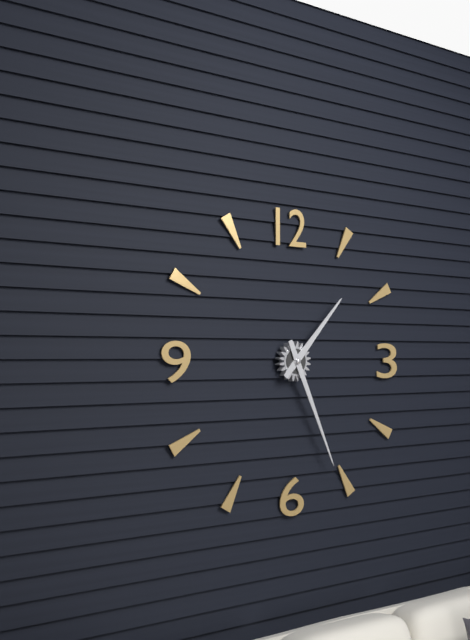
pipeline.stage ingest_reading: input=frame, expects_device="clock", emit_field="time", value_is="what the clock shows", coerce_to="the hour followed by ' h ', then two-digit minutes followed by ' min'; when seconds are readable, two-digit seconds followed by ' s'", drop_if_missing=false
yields 1 h 26 min
